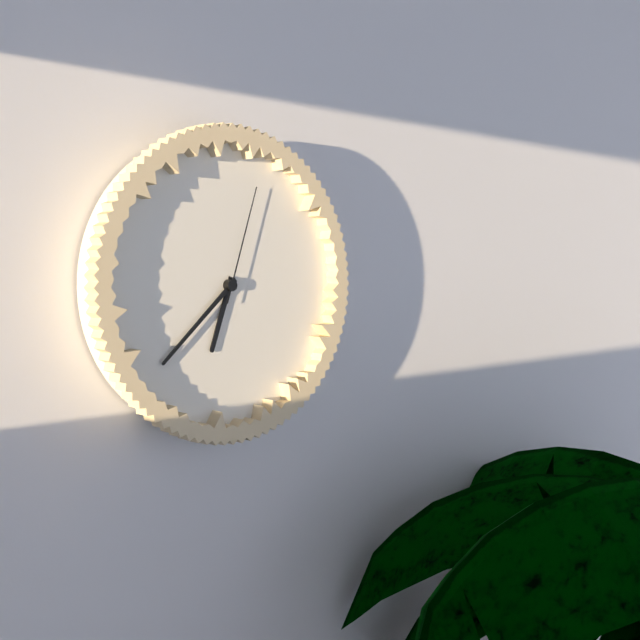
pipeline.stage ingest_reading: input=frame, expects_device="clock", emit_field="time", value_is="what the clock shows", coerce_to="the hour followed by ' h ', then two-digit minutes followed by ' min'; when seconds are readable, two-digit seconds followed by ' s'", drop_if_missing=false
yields 6 h 38 min 03 s
